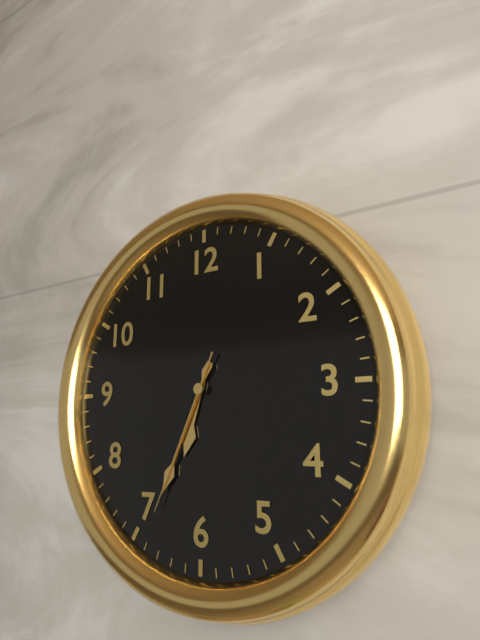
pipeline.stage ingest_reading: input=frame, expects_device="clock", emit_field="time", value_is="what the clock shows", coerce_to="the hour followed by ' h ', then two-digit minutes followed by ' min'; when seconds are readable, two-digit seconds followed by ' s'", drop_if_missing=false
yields 6 h 34 min 34 s
